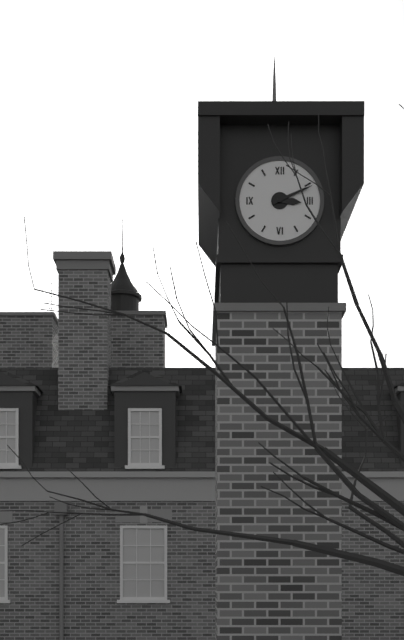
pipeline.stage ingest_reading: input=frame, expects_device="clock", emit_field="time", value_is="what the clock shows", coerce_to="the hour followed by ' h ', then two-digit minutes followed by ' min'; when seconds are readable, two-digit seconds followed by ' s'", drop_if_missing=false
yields 3 h 11 min
